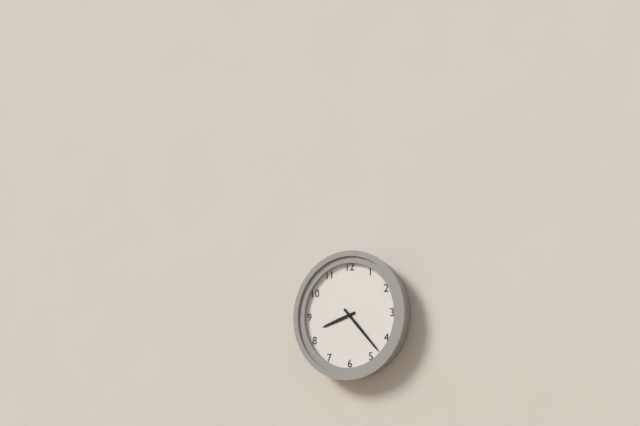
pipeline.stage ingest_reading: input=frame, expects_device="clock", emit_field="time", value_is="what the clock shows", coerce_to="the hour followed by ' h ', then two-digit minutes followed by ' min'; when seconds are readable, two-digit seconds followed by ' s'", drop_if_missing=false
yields 8 h 23 min
